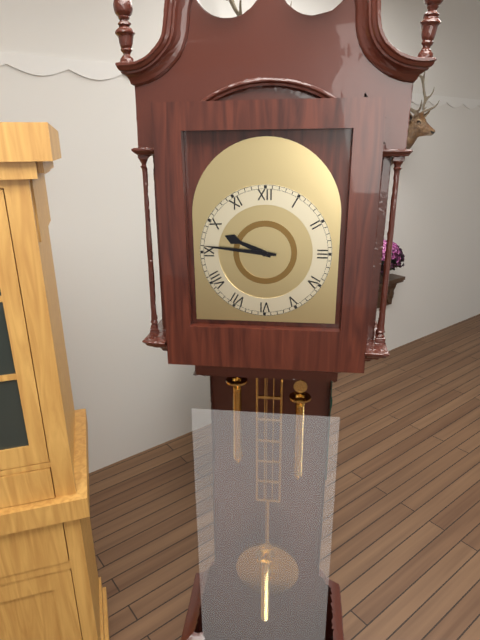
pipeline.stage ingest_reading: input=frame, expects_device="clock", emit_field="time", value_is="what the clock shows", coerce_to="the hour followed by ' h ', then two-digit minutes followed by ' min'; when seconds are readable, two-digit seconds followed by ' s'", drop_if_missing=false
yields 9 h 46 min
